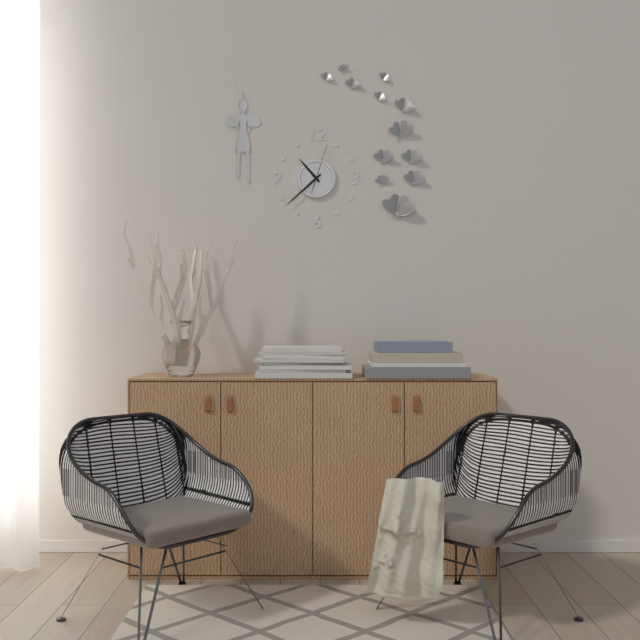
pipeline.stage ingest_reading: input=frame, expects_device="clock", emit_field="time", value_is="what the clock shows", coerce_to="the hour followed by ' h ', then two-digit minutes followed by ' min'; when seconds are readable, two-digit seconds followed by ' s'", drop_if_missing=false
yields 10 h 38 min
